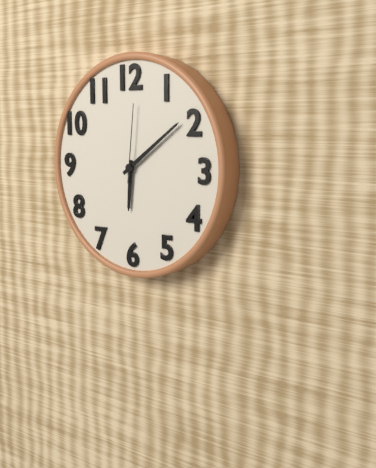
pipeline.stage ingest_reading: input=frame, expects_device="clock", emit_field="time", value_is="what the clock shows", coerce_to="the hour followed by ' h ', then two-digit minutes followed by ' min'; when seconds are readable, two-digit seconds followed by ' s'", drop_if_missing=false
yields 6 h 09 min 01 s
